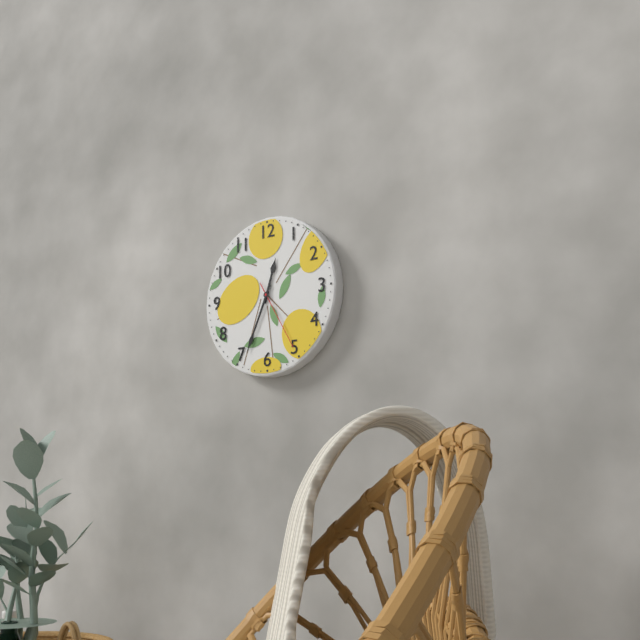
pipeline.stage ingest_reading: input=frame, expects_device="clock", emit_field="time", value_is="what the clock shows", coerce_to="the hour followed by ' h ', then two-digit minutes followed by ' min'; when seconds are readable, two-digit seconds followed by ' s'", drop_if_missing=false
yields 12 h 34 min 25 s
